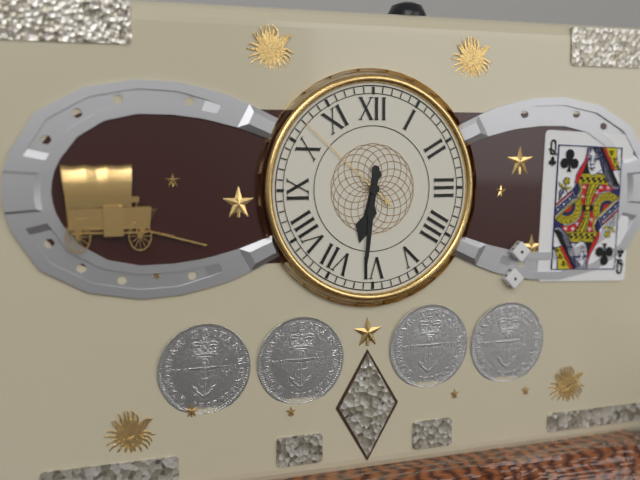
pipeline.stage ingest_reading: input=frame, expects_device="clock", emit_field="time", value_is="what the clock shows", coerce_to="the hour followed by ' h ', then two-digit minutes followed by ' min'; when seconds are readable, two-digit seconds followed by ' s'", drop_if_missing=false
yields 6 h 31 min 52 s
